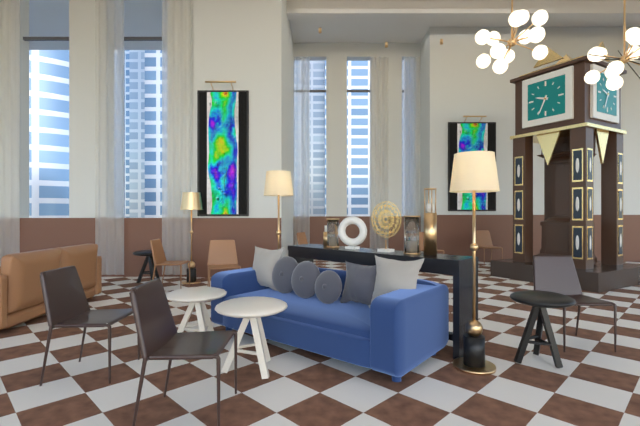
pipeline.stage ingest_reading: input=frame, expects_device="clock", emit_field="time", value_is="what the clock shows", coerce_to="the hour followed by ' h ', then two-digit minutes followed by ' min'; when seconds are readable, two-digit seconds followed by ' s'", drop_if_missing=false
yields 9 h 34 min
